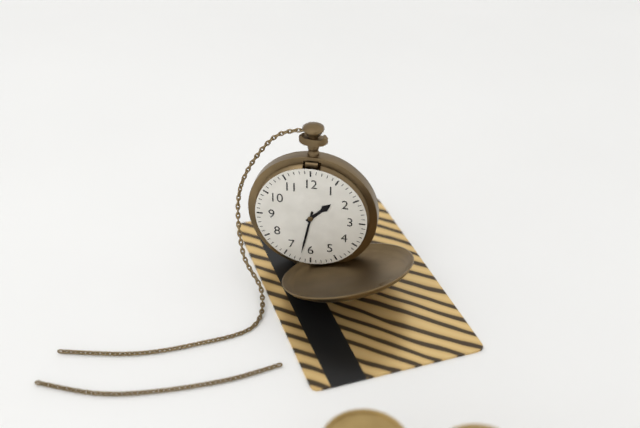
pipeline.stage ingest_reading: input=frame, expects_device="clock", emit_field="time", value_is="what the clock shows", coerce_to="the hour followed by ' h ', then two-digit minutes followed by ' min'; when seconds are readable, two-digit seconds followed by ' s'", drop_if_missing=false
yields 1 h 32 min
